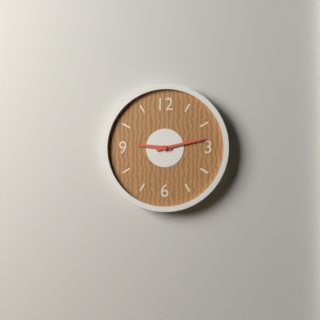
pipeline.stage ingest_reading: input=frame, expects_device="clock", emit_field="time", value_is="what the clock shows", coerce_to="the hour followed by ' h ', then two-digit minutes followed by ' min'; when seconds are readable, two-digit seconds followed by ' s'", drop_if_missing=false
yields 9 h 13 min
